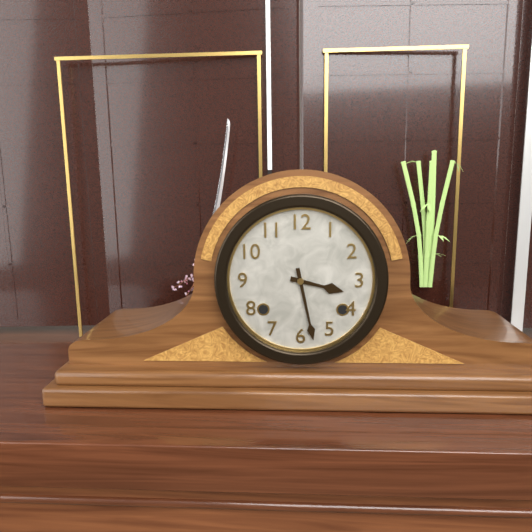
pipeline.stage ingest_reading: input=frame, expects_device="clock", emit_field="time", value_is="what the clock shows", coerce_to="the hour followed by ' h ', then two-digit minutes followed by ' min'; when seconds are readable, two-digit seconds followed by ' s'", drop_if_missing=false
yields 3 h 28 min
